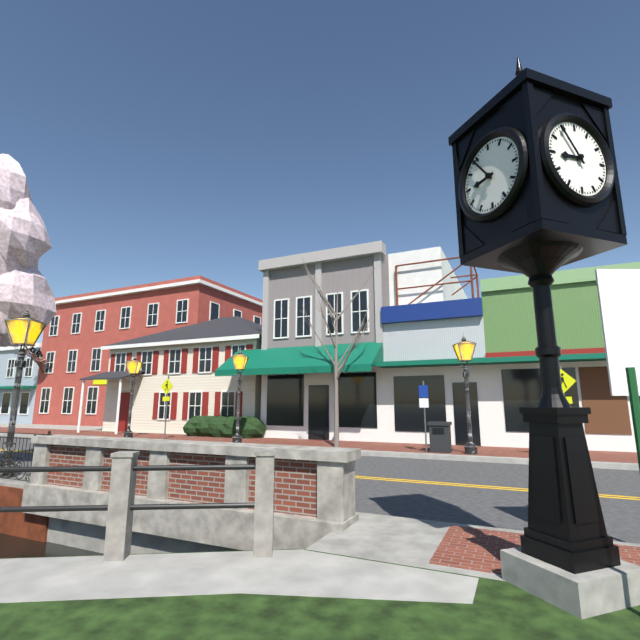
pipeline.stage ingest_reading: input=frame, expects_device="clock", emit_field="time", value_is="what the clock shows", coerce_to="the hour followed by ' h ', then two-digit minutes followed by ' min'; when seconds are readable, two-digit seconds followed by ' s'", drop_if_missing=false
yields 8 h 54 min
